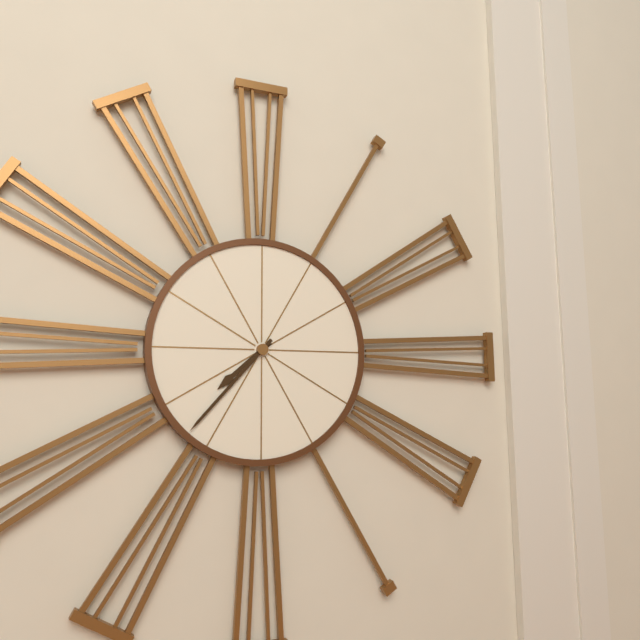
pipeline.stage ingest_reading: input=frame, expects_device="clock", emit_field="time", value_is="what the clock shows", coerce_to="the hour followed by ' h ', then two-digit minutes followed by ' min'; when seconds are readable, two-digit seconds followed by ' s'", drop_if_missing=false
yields 7 h 37 min
